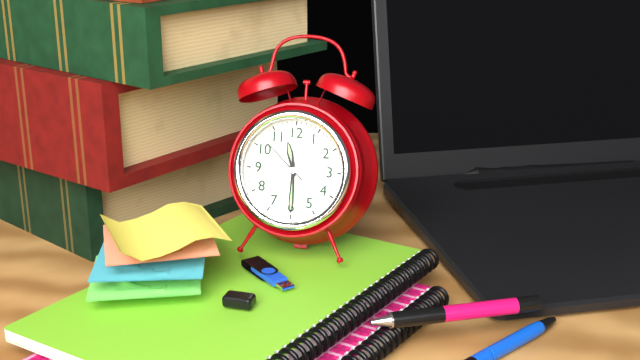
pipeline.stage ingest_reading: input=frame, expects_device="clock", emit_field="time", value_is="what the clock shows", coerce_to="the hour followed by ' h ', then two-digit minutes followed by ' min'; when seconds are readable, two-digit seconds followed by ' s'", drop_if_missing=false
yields 11 h 30 min 52 s
